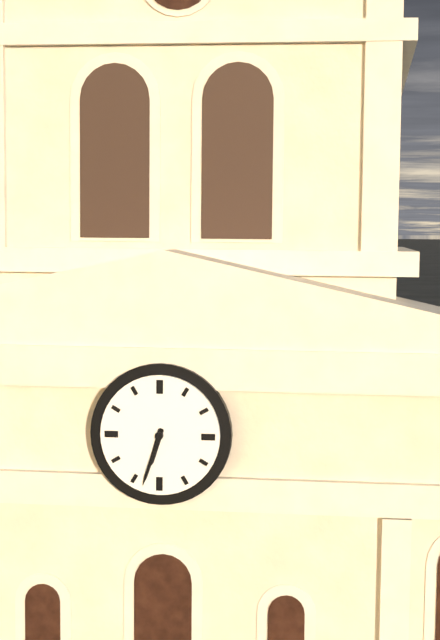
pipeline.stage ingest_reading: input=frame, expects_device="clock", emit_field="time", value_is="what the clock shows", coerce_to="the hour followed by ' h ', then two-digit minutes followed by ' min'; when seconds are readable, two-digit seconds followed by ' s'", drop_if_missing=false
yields 6 h 33 min
